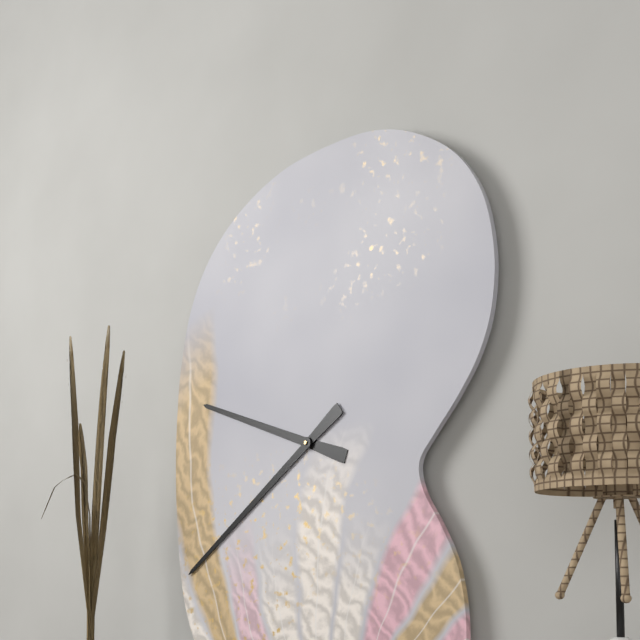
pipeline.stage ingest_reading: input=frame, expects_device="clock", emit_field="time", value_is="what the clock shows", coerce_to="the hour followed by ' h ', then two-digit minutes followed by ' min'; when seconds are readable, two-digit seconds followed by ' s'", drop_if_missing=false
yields 9 h 39 min
